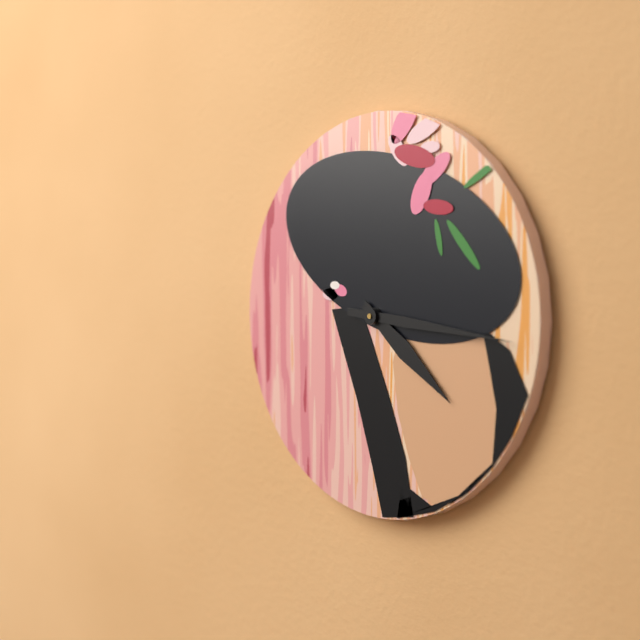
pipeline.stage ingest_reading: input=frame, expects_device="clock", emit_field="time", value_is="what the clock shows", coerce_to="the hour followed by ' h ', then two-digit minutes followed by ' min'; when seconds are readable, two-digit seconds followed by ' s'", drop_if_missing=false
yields 4 h 16 min
